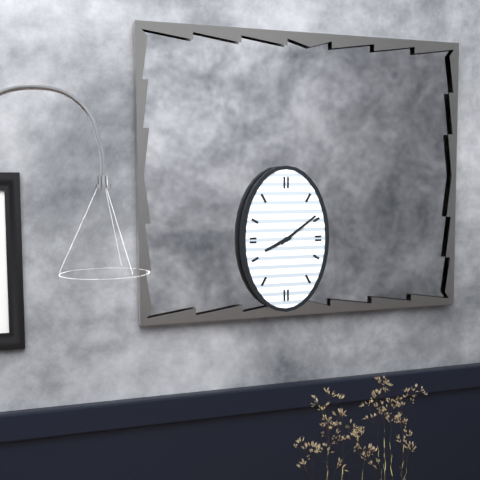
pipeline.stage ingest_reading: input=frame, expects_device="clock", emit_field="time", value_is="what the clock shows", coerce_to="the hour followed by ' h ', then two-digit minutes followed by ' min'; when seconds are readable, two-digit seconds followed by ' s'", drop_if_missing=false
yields 8 h 09 min
